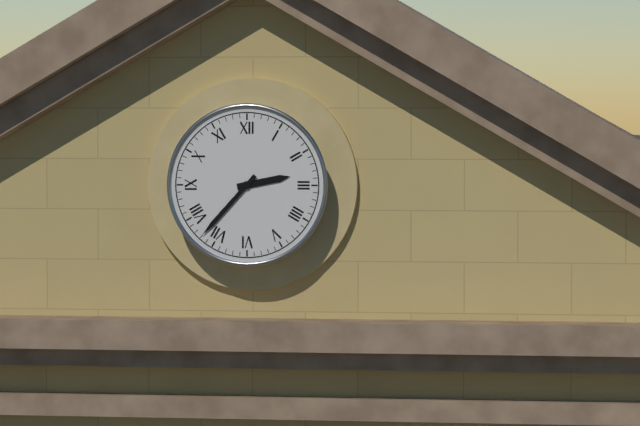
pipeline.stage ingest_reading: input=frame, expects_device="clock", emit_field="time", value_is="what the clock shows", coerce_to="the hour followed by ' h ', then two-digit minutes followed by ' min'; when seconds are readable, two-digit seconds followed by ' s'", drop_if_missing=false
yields 2 h 37 min
